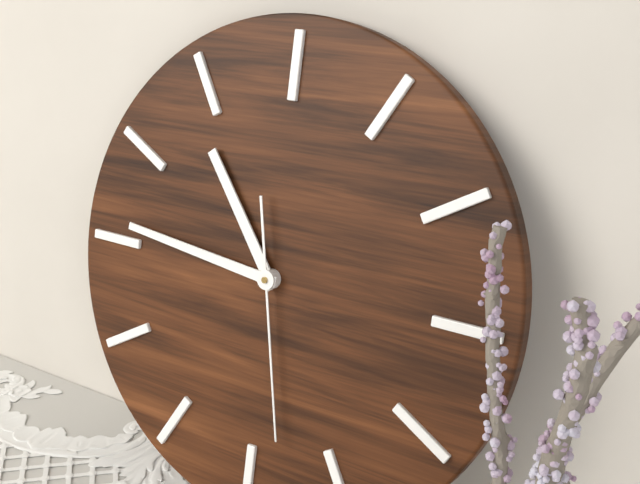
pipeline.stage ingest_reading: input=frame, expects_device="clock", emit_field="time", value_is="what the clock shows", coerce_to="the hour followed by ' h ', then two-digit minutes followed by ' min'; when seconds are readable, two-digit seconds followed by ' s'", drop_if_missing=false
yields 10 h 46 min 28 s
